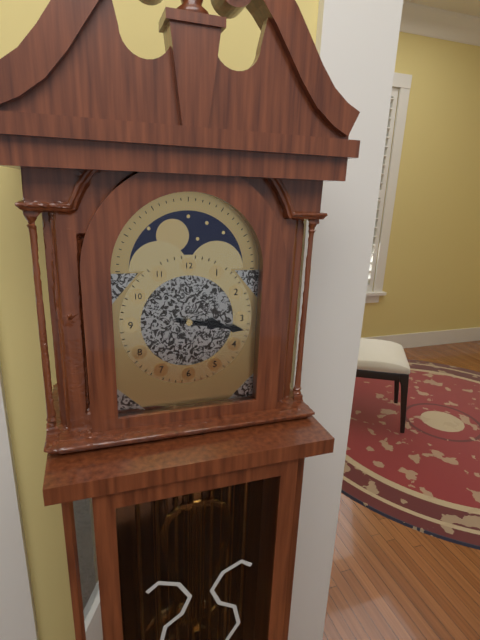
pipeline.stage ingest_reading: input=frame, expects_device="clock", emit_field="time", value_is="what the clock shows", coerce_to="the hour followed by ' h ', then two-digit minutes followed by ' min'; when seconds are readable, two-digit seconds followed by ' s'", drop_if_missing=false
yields 3 h 17 min
